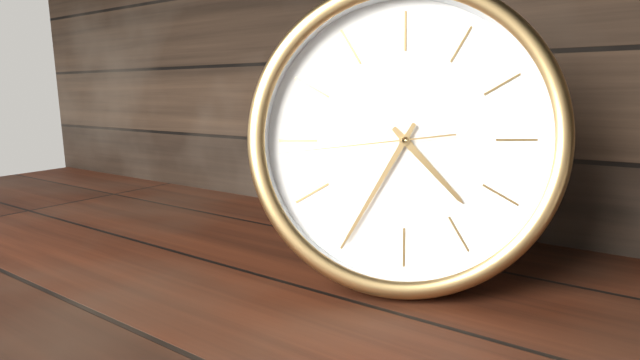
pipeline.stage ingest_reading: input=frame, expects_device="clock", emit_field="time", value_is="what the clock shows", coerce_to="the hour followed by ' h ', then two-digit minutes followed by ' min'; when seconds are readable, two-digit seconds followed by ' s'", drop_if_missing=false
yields 4 h 35 min 44 s
